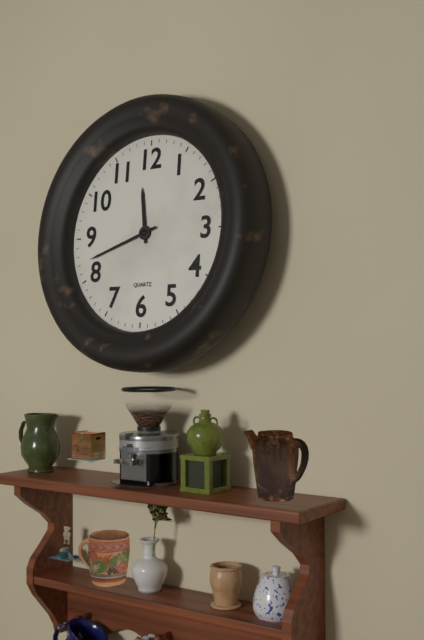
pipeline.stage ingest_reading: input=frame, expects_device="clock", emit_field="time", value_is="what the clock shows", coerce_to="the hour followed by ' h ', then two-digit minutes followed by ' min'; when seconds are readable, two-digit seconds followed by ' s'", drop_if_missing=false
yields 11 h 42 min
